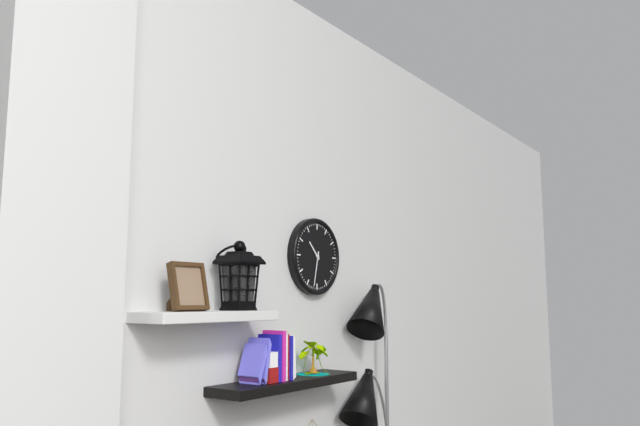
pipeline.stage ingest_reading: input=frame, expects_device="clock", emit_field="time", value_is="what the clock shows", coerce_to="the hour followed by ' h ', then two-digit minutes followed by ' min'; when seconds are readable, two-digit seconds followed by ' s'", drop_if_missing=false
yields 10 h 32 min
